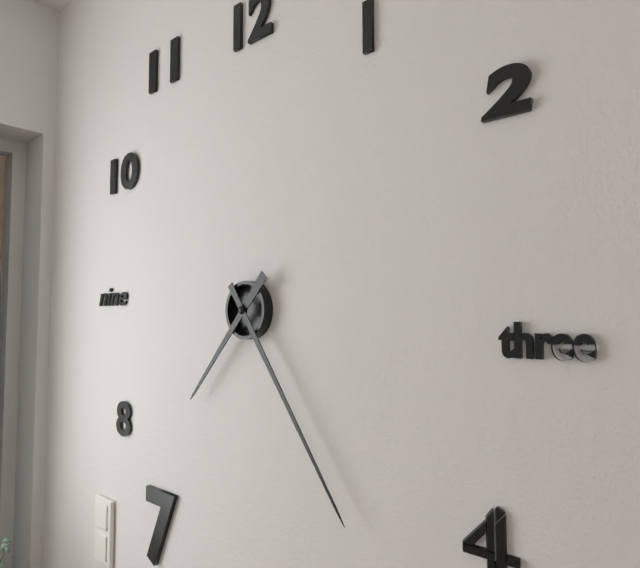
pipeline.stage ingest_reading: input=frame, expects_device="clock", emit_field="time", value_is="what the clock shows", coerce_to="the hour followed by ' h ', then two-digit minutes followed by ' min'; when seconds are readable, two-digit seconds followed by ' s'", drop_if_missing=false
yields 7 h 24 min
